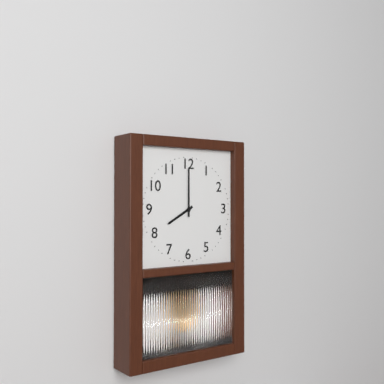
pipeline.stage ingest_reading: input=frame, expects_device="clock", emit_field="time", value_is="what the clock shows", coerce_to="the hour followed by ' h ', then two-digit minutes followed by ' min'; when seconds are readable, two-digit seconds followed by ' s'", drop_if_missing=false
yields 8 h 00 min
